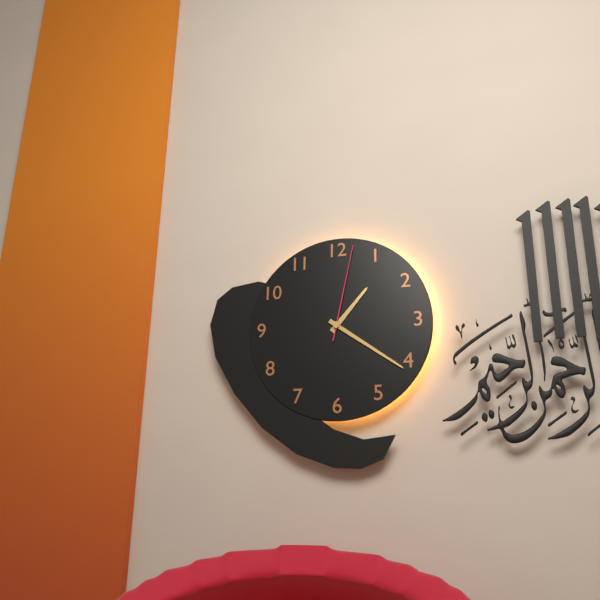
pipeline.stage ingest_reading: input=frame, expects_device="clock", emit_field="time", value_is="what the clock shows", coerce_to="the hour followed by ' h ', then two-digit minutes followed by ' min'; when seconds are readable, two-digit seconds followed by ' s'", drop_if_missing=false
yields 1 h 21 min 02 s
